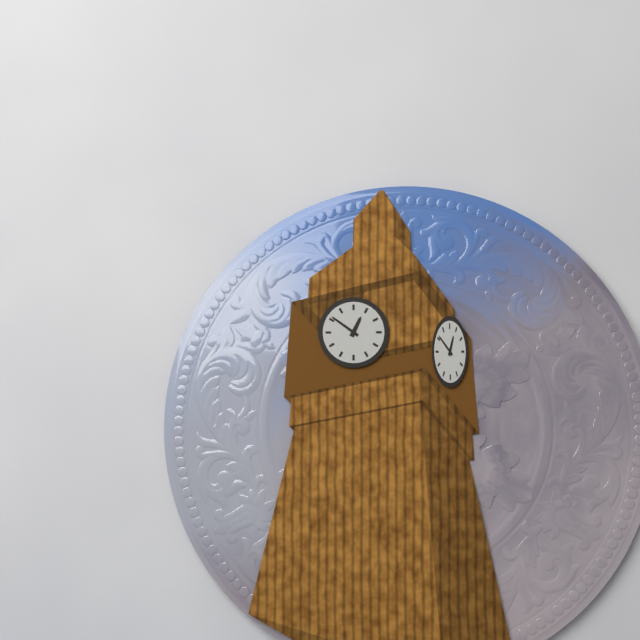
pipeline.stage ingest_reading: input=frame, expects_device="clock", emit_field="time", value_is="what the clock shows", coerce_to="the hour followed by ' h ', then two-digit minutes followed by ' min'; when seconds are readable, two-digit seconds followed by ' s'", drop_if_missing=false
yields 12 h 51 min
